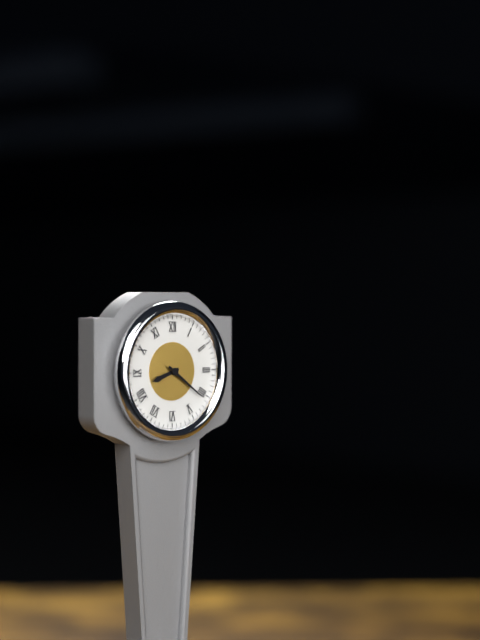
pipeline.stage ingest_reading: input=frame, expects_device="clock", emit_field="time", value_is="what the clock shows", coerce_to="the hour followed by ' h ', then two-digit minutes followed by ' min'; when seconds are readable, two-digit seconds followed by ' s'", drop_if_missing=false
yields 8 h 21 min
